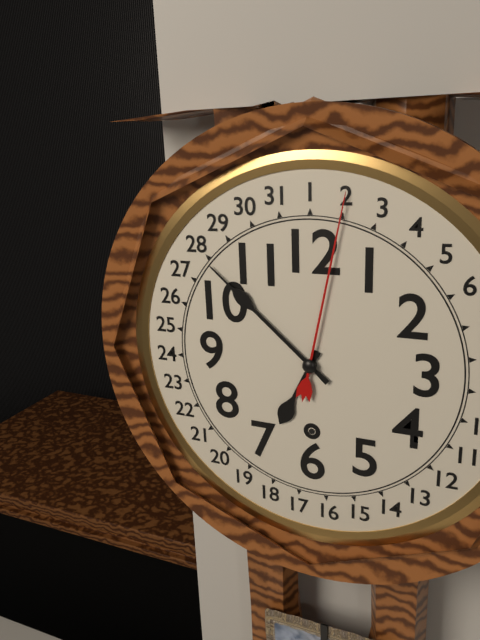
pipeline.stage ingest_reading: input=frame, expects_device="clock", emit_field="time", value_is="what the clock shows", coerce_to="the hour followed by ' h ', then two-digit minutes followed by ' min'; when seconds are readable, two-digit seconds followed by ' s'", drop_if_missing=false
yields 6 h 52 min
